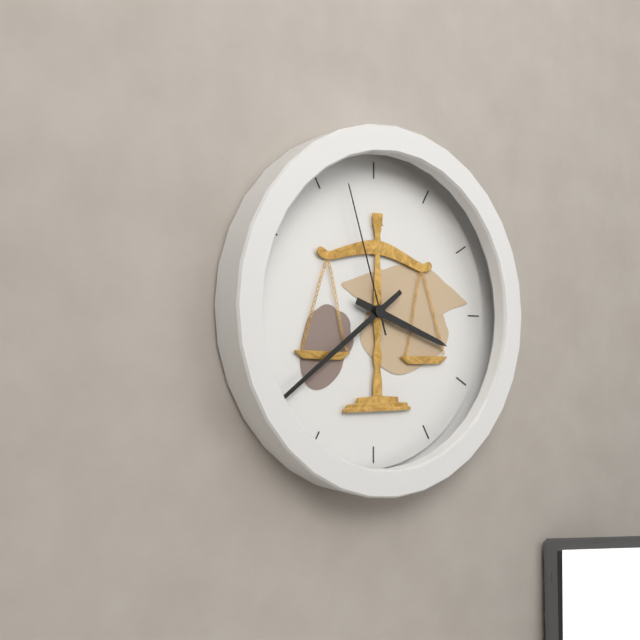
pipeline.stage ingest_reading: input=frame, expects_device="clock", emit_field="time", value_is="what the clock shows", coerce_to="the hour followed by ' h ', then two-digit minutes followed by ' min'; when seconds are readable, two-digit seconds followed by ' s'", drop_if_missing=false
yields 3 h 39 min 57 s
